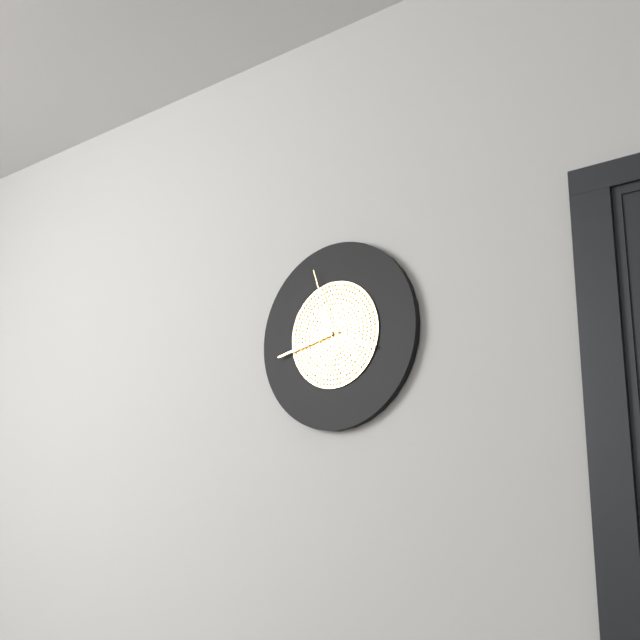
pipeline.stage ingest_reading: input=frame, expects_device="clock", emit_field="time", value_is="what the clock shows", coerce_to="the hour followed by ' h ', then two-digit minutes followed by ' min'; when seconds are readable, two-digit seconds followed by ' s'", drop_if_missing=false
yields 3 h 43 min 57 s
